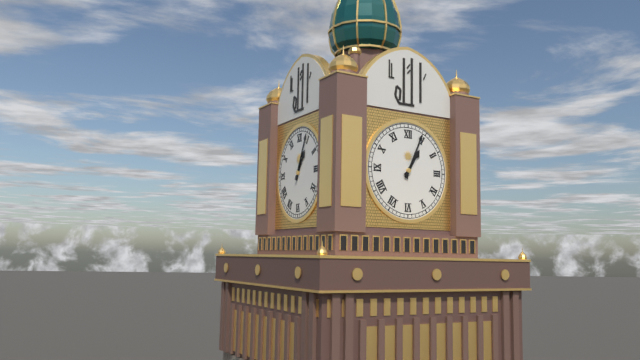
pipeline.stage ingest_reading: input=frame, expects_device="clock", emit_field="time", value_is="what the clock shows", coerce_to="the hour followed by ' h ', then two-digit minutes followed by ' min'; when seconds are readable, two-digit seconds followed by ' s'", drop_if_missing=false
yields 1 h 04 min
